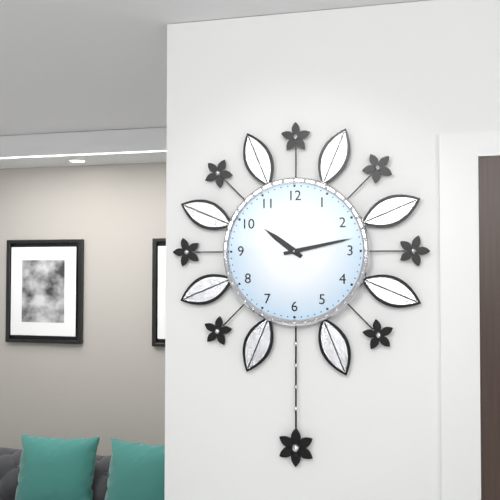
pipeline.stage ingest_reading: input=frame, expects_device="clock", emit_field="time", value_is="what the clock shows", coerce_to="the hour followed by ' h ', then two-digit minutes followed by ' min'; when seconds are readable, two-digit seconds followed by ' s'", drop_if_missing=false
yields 10 h 13 min
